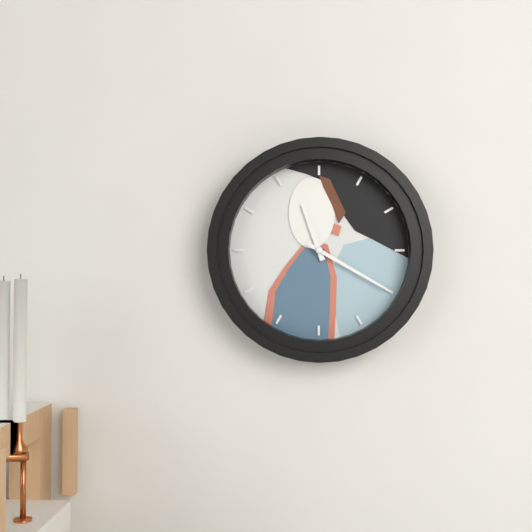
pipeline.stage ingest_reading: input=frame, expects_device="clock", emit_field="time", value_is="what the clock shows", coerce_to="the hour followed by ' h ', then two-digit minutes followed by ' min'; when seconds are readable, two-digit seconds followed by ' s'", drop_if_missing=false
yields 11 h 20 min
